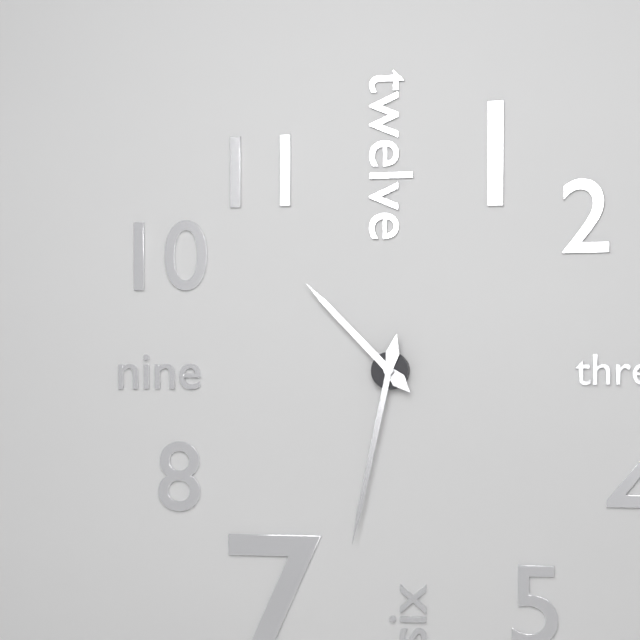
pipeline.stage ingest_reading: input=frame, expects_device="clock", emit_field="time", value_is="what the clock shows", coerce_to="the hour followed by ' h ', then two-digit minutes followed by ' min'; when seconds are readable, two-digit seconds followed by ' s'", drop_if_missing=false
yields 10 h 32 min
